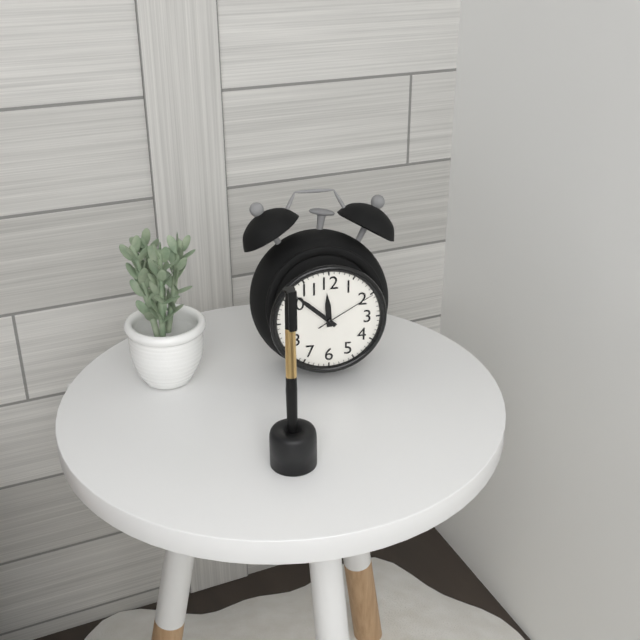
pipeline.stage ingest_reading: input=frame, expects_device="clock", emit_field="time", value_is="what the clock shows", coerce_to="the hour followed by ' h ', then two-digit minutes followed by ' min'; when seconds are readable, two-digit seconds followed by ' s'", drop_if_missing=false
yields 11 h 52 min 10 s
